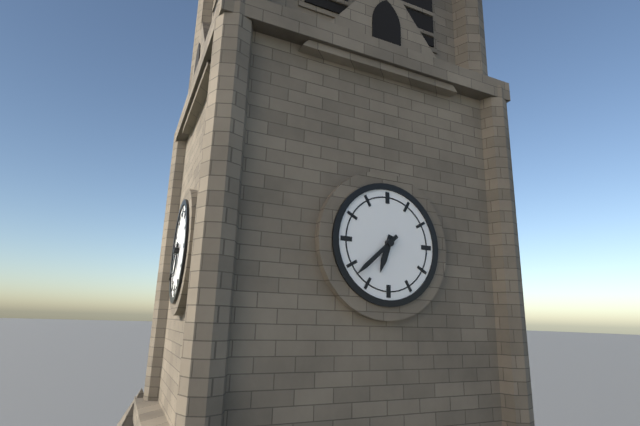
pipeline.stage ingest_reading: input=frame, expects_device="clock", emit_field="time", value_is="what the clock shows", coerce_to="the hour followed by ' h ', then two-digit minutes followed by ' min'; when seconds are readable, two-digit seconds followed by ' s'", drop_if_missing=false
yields 6 h 38 min
